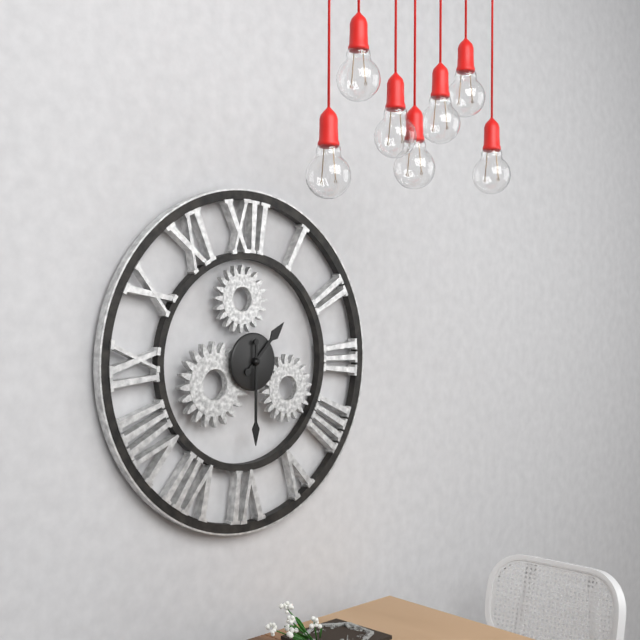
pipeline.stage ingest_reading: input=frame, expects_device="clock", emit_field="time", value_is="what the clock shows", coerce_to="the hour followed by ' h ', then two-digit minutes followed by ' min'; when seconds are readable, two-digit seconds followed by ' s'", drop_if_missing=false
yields 1 h 30 min
